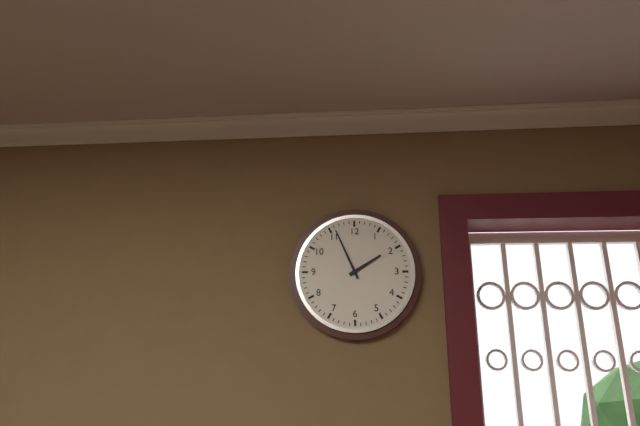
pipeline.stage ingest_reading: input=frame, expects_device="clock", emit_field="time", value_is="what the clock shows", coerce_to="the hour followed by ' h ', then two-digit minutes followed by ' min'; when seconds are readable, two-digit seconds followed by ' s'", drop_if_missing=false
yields 1 h 56 min
